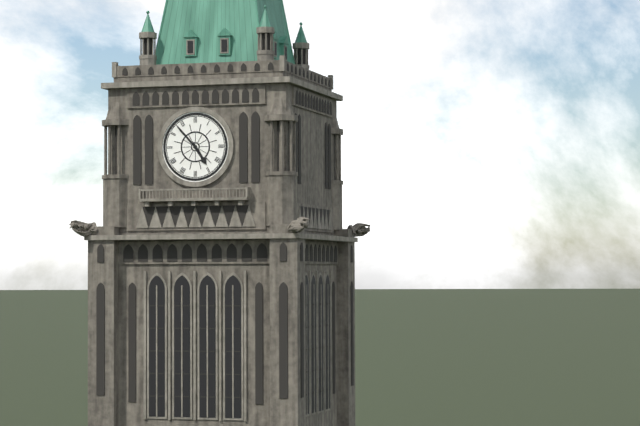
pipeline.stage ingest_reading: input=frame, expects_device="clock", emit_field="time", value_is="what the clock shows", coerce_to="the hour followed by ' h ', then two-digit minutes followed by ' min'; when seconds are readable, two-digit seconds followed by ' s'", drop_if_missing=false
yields 4 h 53 min
